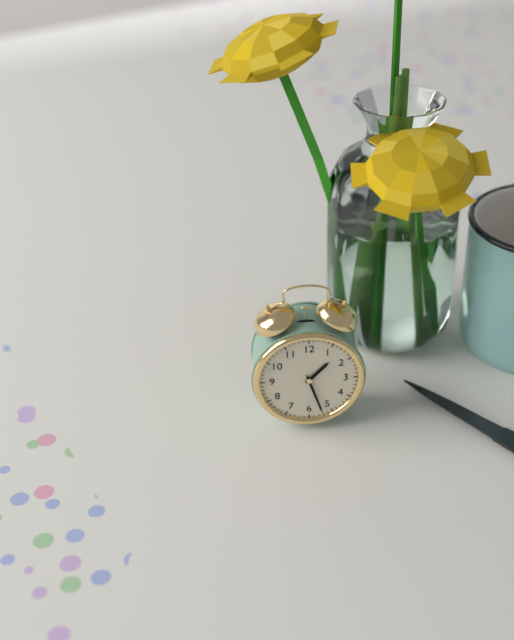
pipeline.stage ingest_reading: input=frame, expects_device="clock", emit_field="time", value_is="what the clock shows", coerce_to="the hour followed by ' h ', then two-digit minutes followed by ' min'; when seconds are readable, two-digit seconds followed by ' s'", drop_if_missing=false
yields 1 h 27 min
